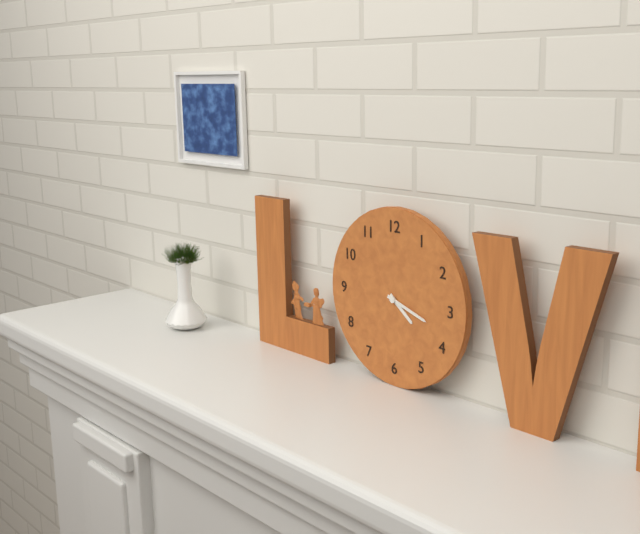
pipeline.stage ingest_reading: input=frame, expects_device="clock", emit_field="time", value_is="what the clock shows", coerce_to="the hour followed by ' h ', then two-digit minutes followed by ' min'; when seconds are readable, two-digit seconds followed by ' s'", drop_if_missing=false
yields 4 h 18 min
